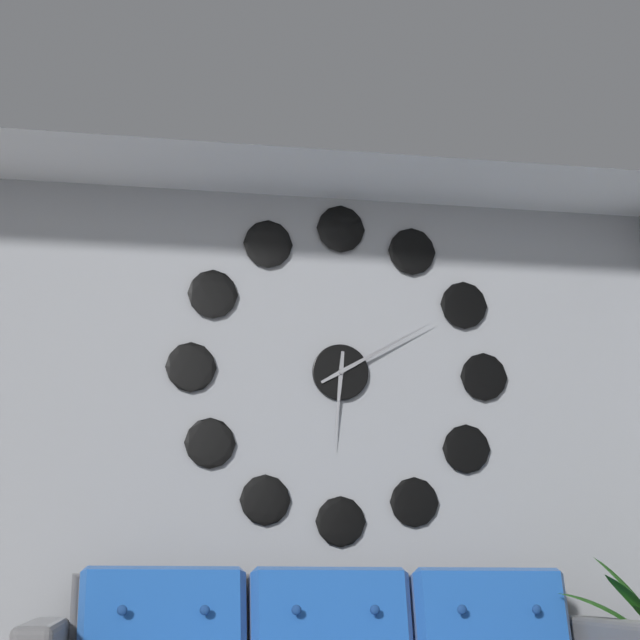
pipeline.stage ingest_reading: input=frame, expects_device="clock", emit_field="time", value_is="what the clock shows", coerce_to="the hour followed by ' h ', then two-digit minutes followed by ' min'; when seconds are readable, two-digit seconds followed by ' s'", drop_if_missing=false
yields 6 h 10 min
